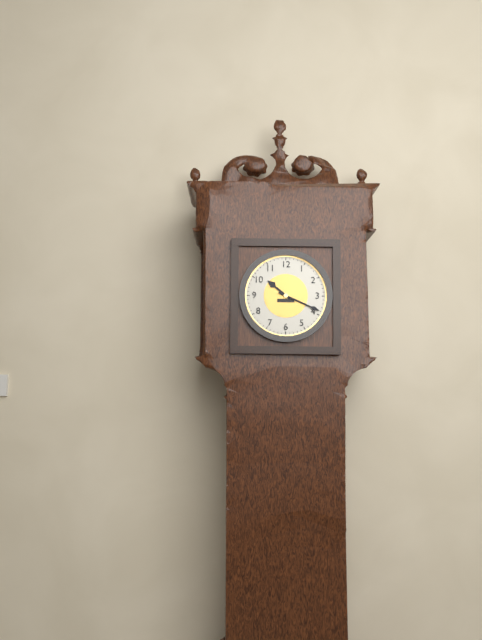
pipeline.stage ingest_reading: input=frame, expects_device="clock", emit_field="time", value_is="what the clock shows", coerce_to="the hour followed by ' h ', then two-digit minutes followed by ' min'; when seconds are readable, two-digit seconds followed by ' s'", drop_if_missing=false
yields 10 h 19 min
